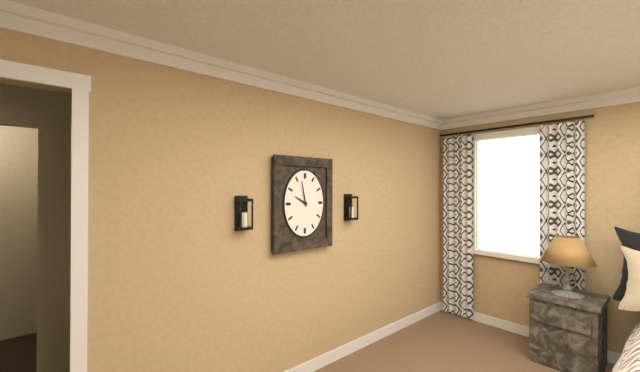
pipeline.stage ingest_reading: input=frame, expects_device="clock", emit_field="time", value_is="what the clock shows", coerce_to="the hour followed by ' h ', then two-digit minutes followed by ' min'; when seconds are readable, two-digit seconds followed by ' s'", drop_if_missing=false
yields 9 h 58 min
